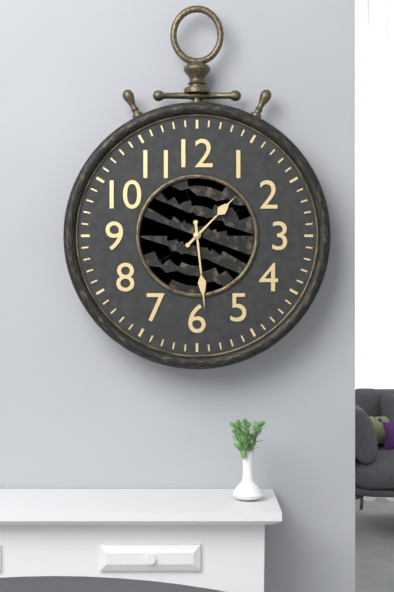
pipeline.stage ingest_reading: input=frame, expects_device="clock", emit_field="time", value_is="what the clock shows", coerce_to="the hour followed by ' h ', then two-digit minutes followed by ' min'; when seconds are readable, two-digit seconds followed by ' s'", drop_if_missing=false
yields 1 h 29 min
